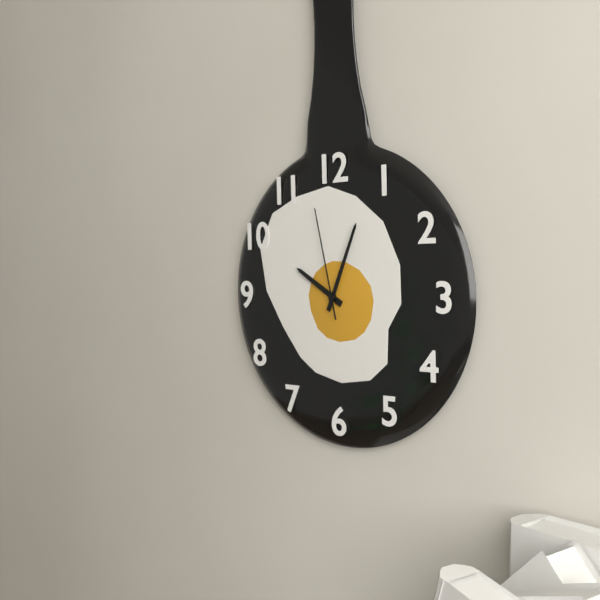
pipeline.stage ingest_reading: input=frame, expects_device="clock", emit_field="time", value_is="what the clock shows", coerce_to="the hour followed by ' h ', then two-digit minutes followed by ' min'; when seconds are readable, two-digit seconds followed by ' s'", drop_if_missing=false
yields 10 h 04 min 58 s
